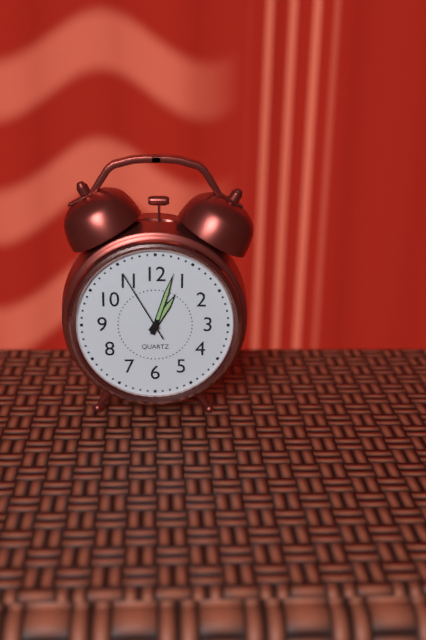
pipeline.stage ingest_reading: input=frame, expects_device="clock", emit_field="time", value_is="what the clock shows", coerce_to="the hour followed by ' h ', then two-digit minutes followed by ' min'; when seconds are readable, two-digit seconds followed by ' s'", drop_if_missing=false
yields 1 h 03 min 55 s
